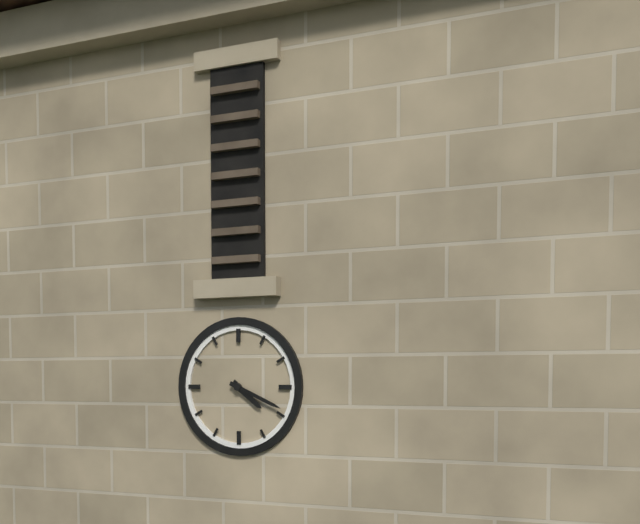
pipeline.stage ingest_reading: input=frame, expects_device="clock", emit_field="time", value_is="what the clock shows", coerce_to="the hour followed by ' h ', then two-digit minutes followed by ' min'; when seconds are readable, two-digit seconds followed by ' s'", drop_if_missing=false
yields 4 h 19 min
